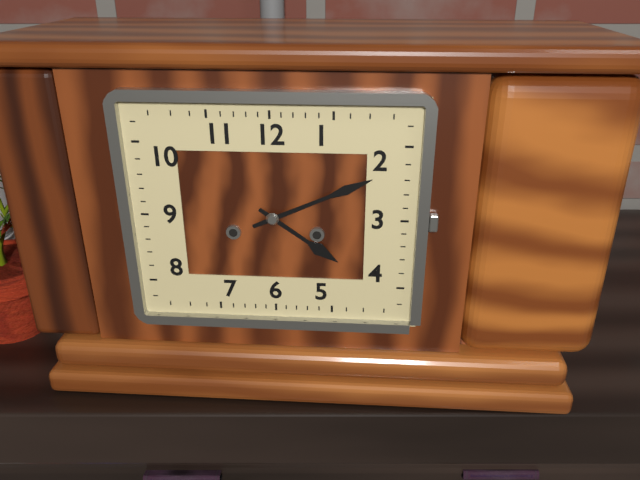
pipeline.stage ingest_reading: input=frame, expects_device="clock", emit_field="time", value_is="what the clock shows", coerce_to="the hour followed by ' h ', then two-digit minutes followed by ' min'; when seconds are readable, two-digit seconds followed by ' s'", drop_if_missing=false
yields 4 h 11 min
